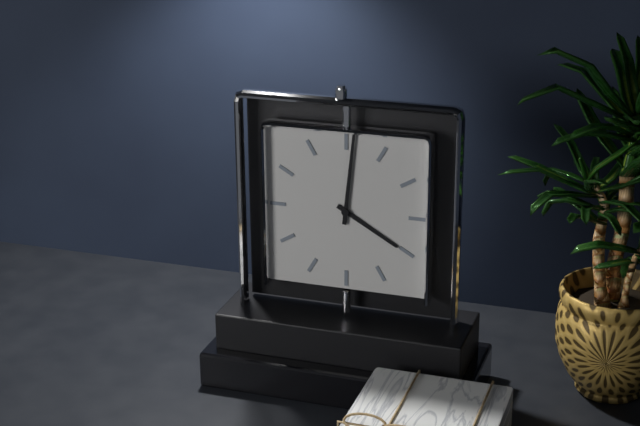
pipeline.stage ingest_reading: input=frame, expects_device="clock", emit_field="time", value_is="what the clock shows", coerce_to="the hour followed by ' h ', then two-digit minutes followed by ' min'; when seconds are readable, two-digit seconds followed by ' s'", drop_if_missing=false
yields 4 h 01 min
